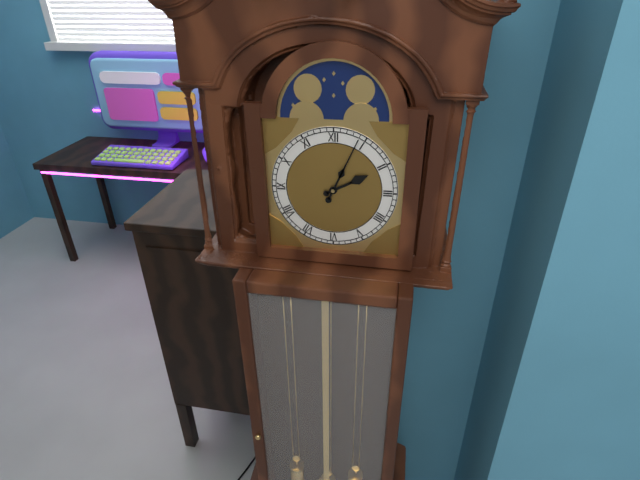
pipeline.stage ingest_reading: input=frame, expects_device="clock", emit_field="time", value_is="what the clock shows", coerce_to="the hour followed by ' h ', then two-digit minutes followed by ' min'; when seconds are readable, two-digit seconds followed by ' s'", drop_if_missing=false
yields 2 h 04 min
